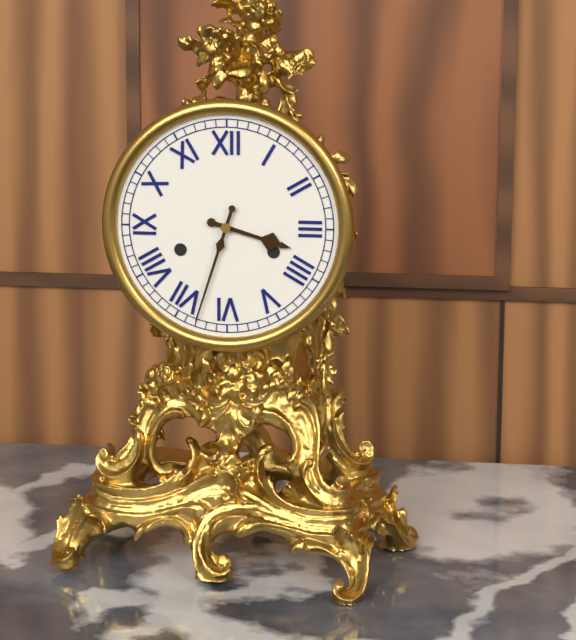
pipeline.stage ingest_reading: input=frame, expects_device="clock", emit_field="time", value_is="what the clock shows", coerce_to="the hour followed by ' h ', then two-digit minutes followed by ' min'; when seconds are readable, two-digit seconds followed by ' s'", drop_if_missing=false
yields 3 h 33 min
